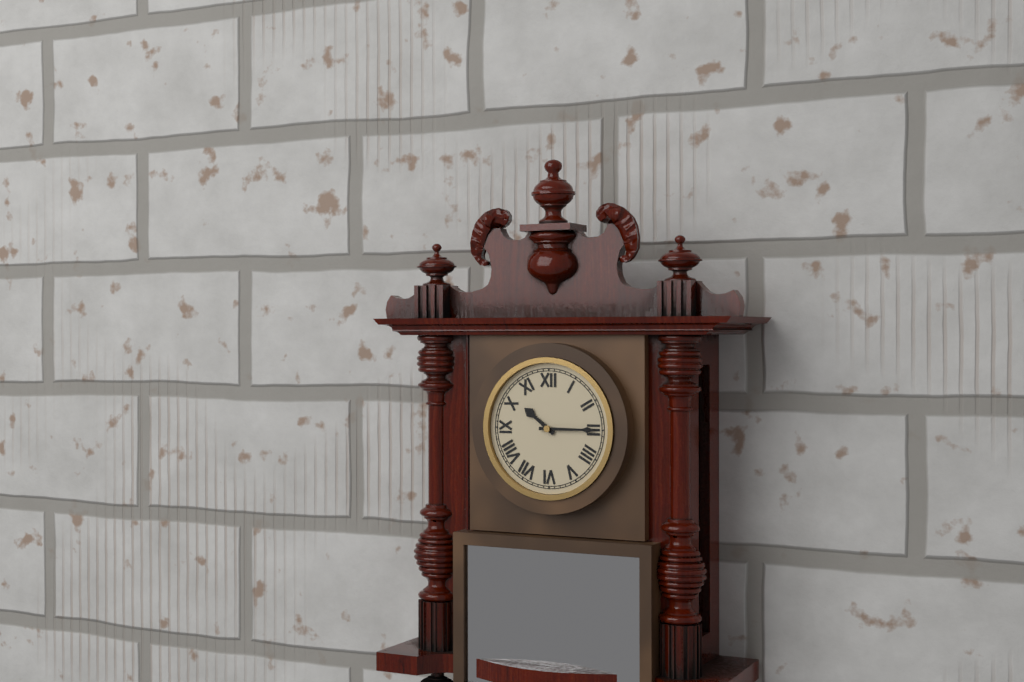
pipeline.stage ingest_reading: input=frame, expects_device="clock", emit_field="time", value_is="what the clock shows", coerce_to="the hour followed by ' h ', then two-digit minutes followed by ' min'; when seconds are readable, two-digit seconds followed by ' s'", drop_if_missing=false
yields 10 h 15 min
